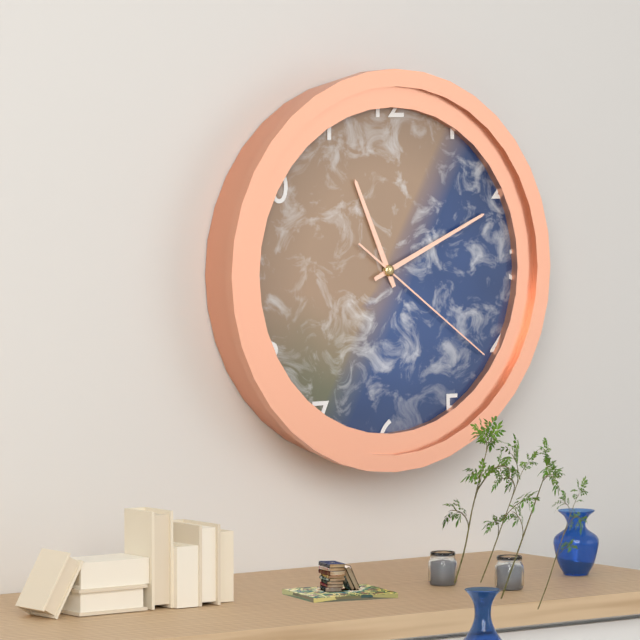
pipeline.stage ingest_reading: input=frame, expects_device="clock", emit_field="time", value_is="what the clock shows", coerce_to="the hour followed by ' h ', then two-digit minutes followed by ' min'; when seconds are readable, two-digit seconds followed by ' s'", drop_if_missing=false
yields 11 h 11 min 21 s
